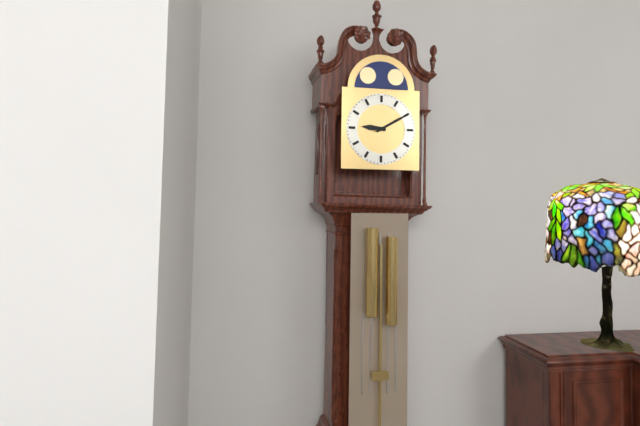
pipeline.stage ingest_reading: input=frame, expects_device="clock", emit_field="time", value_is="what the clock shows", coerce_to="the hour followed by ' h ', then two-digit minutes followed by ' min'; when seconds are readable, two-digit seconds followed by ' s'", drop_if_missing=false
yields 9 h 10 min
